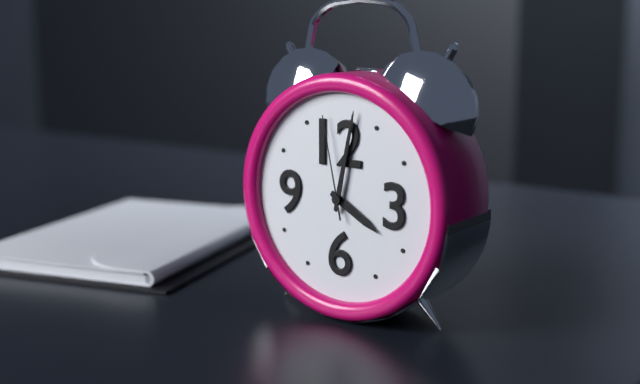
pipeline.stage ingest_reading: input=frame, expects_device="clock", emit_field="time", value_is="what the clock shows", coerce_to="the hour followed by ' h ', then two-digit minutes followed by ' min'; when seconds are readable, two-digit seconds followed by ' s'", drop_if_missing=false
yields 4 h 02 min 58 s
